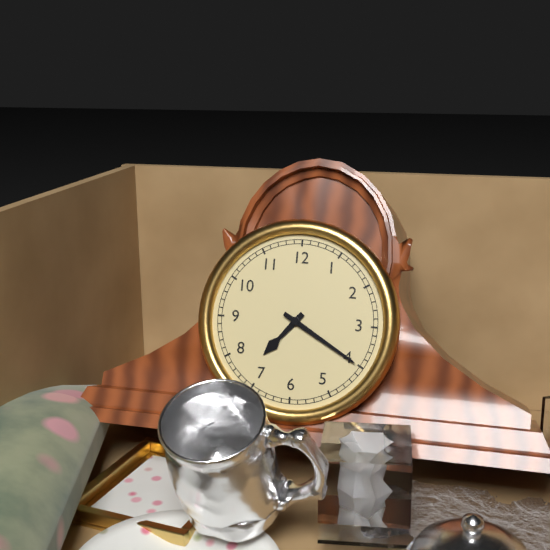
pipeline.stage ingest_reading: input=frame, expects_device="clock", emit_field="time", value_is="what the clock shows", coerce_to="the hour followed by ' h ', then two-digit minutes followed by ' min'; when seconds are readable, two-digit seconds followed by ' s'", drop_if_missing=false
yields 7 h 20 min
